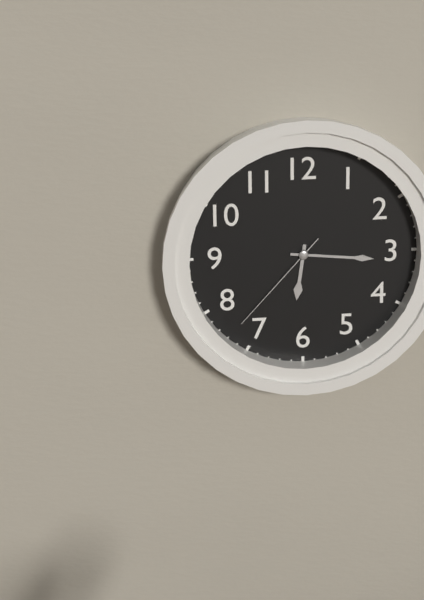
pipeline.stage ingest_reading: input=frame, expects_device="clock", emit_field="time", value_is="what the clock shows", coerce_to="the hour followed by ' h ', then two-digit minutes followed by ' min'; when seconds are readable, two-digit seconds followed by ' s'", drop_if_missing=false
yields 6 h 16 min 37 s
